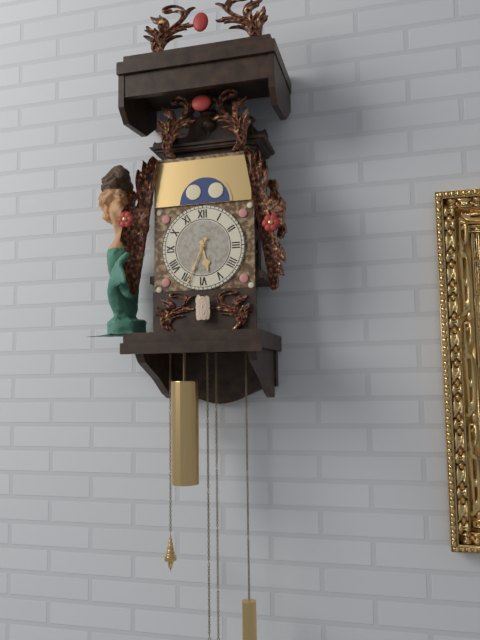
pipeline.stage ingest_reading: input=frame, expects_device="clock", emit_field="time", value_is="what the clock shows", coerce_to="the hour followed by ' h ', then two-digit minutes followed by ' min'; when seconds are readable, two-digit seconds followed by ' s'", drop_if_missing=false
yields 5 h 34 min
